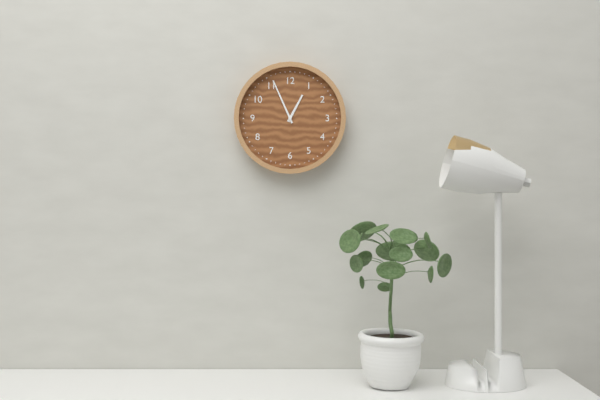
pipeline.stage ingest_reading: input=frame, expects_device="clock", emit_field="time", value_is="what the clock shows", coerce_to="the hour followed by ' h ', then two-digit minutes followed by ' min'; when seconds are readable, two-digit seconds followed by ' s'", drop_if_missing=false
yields 12 h 56 min
